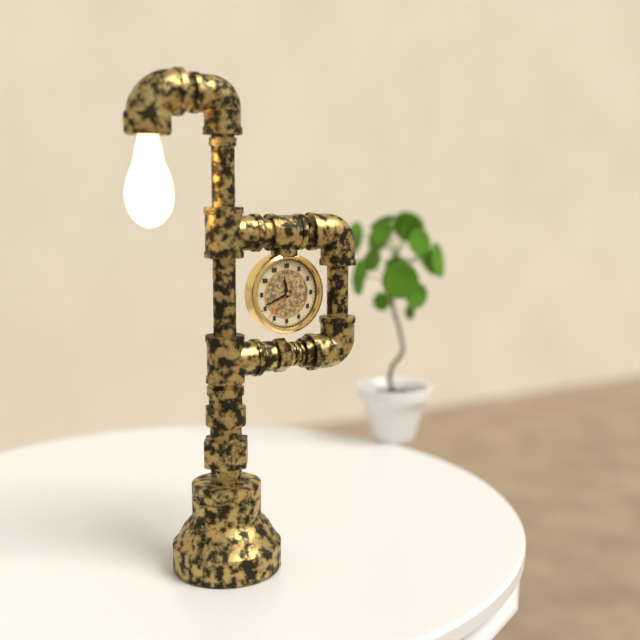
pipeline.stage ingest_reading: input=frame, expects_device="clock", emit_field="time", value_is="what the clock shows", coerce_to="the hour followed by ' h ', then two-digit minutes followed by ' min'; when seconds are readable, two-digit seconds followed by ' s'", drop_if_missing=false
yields 11 h 41 min
